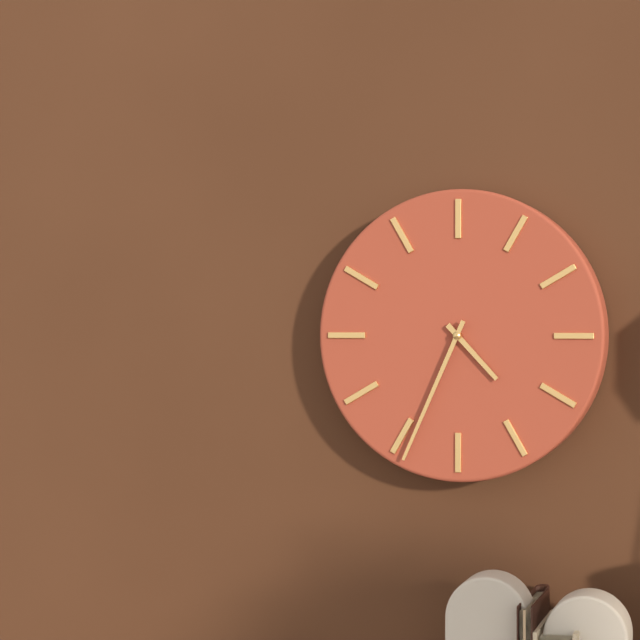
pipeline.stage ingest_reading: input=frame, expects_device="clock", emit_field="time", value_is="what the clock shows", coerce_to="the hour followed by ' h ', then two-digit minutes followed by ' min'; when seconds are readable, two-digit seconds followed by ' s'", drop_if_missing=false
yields 4 h 34 min
